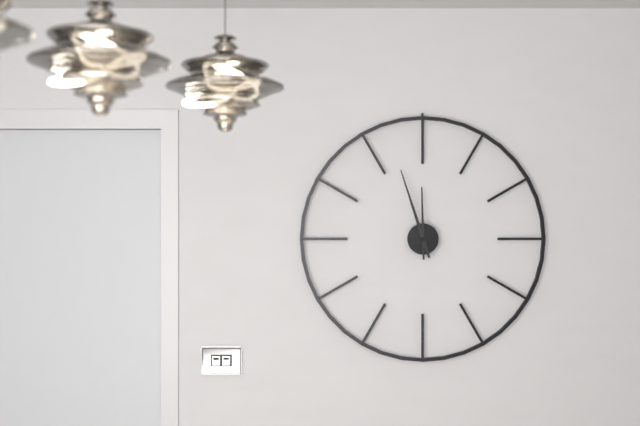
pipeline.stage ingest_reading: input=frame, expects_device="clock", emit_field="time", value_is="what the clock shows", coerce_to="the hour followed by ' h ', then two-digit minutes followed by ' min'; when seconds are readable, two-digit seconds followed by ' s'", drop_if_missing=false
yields 11 h 57 min
